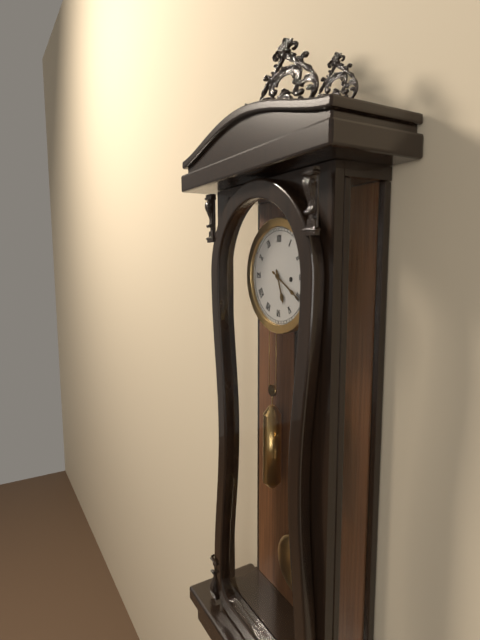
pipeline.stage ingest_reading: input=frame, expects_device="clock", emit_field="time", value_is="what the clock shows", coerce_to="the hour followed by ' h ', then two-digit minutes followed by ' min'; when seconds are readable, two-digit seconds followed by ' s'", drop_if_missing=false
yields 5 h 20 min
